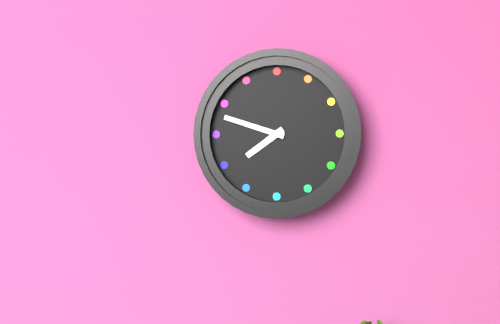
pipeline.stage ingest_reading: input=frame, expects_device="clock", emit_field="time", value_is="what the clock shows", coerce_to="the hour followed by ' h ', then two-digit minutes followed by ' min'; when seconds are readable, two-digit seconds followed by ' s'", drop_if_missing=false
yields 7 h 48 min
